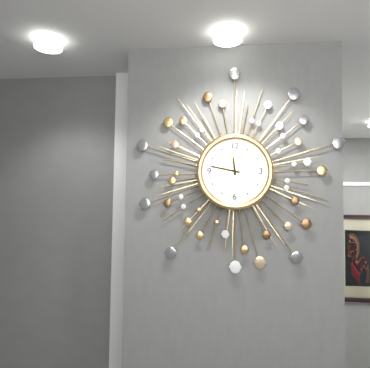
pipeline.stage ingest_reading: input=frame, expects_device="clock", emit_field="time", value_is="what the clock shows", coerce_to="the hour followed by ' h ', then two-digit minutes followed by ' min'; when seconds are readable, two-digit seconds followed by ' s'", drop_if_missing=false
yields 11 h 47 min
